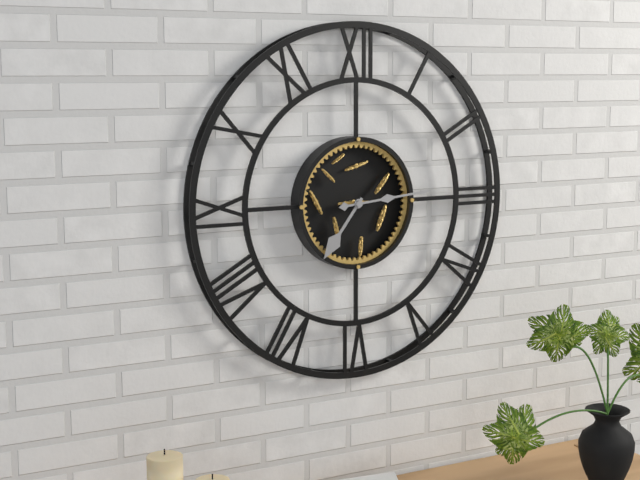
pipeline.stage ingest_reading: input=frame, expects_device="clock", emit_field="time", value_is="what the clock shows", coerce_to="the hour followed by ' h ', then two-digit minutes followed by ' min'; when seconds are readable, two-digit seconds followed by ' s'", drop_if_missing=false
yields 7 h 14 min
